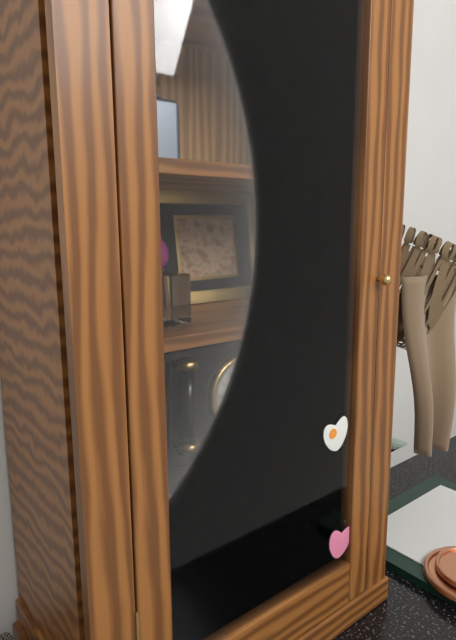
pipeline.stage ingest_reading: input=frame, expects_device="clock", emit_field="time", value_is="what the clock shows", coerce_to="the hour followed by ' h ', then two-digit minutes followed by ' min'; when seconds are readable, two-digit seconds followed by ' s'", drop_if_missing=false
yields 12 h 14 min
